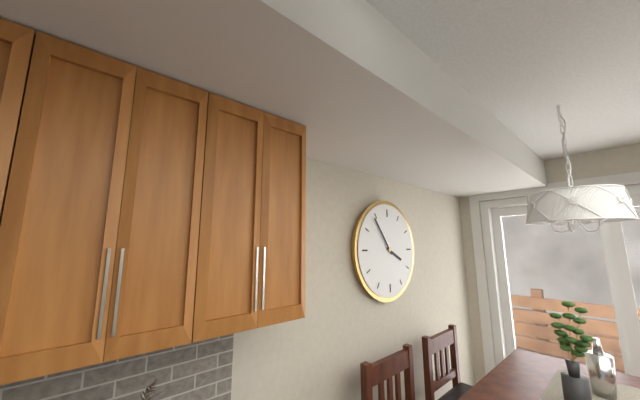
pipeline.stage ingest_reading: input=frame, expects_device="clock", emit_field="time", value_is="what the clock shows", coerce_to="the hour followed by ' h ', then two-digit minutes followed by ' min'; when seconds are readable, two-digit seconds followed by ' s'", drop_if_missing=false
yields 3 h 54 min
